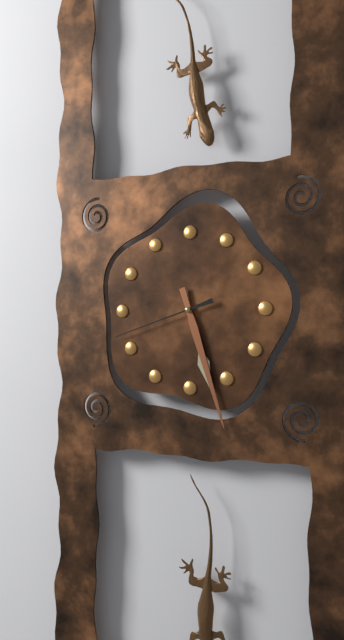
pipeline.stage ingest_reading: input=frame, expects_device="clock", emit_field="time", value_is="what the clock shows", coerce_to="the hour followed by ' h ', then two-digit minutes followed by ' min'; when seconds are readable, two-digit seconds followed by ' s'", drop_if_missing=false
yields 5 h 27 min 42 s
